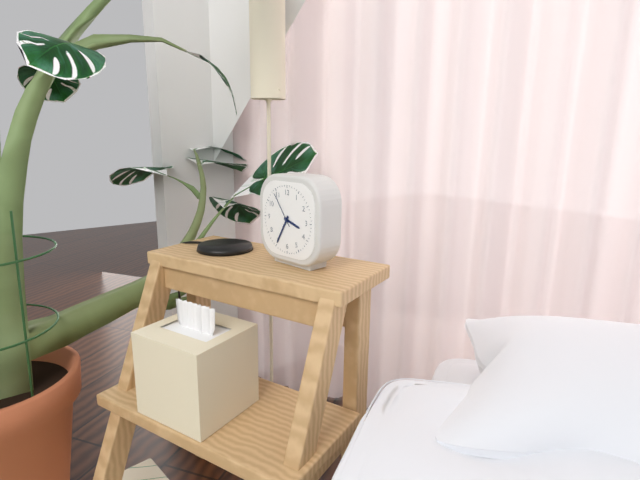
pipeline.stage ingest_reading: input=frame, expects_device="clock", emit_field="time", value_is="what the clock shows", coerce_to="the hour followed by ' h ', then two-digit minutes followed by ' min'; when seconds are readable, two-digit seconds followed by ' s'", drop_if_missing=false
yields 3 h 35 min
